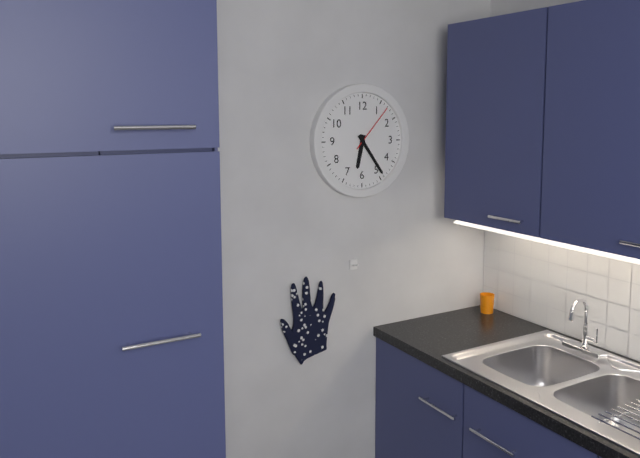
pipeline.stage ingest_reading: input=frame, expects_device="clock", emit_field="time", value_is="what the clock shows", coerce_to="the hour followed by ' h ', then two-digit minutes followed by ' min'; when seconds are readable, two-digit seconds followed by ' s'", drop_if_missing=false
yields 6 h 24 min 07 s
